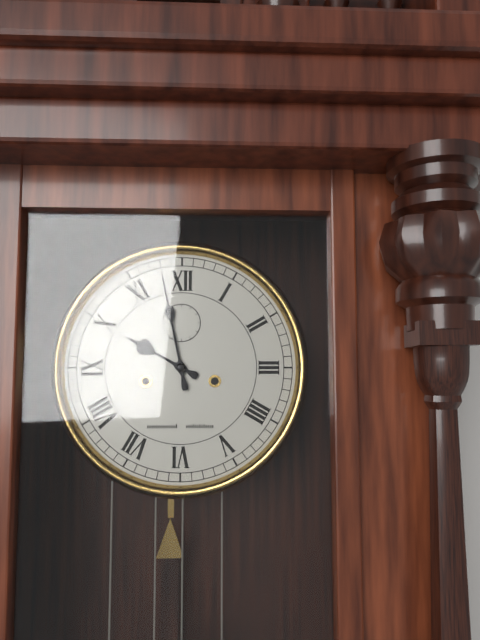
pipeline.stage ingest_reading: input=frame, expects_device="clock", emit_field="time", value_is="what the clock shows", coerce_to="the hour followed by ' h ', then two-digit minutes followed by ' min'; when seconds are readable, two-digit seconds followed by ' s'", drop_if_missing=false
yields 9 h 58 min
